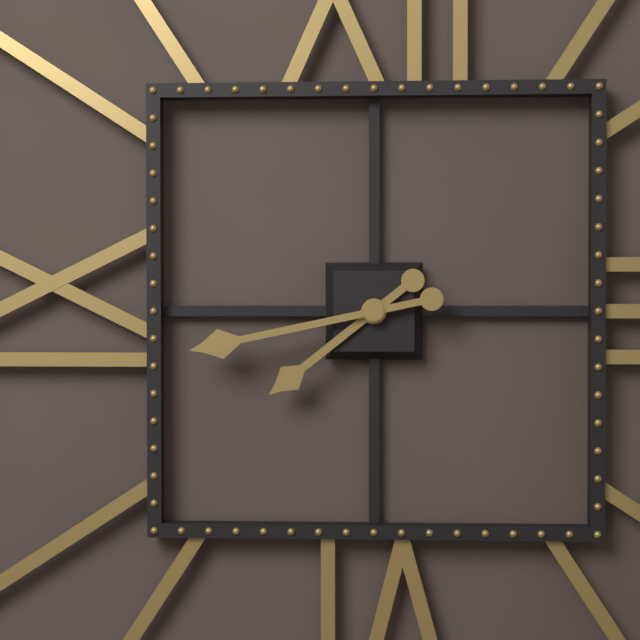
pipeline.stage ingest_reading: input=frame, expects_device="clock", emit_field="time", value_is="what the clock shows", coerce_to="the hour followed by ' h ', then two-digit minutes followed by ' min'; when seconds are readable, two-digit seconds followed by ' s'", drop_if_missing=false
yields 7 h 43 min
